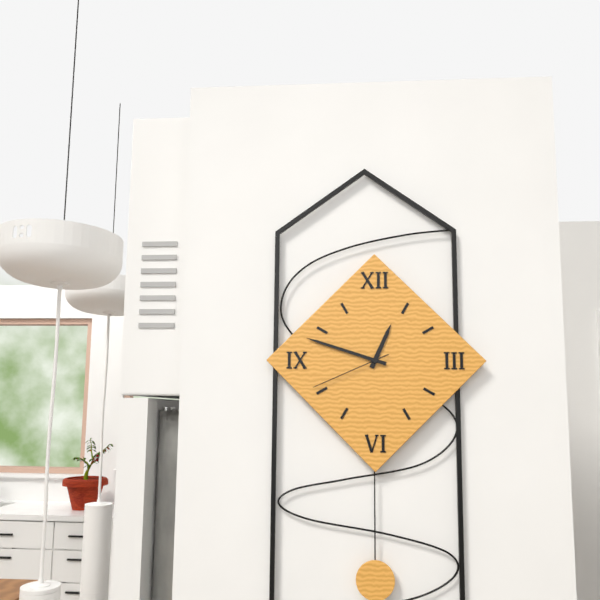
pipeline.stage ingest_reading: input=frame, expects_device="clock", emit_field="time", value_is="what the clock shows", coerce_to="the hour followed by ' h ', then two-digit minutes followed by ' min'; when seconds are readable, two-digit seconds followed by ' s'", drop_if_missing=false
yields 12 h 48 min 41 s
